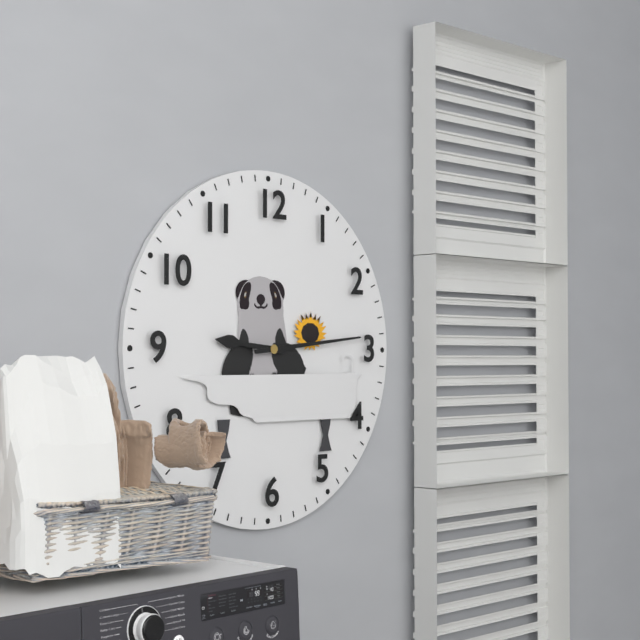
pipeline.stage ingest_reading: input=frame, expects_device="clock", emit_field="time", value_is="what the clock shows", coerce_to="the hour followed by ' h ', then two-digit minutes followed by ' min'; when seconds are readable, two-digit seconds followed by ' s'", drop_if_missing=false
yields 9 h 14 min
